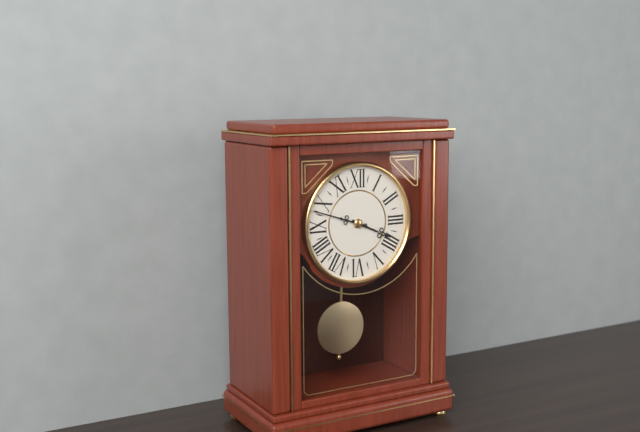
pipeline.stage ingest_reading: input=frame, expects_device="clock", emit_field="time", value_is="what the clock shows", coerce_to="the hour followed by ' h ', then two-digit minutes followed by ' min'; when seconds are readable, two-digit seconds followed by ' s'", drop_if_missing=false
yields 3 h 48 min
